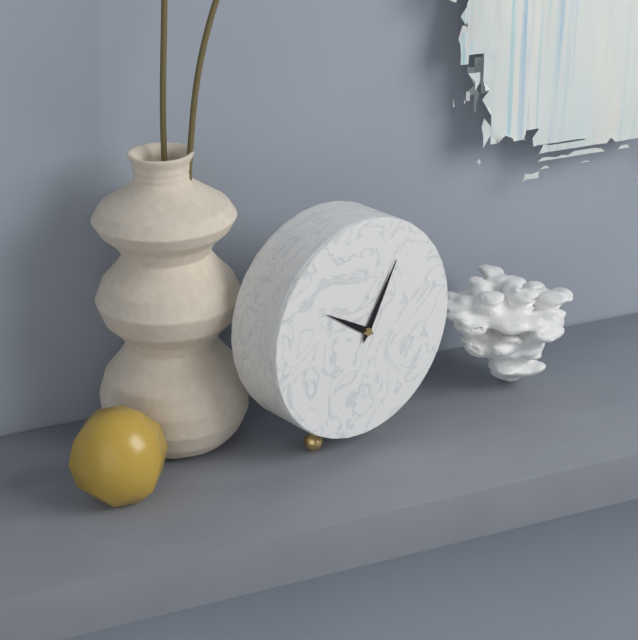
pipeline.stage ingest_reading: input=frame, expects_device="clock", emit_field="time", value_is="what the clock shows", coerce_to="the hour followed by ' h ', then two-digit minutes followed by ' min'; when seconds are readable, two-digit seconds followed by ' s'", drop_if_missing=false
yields 10 h 05 min
